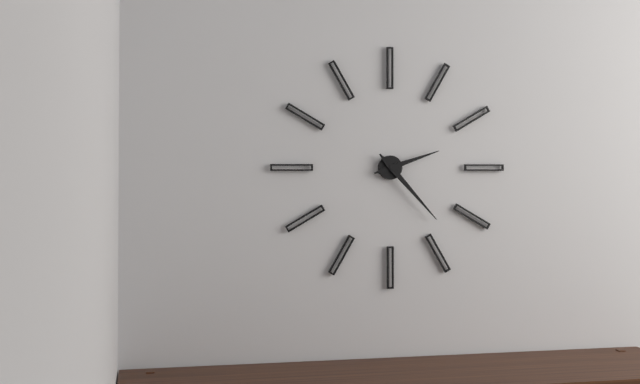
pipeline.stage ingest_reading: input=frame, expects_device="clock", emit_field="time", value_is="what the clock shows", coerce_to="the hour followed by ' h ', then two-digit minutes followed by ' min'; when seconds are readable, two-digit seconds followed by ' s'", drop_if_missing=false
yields 2 h 23 min
